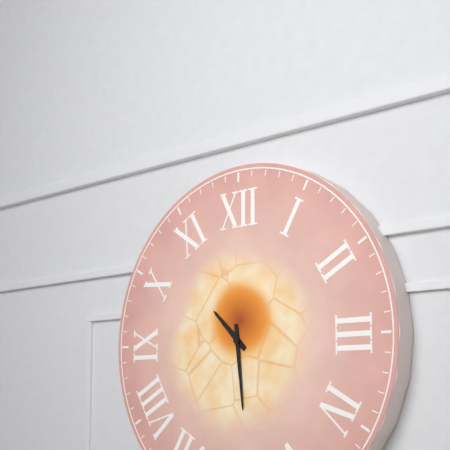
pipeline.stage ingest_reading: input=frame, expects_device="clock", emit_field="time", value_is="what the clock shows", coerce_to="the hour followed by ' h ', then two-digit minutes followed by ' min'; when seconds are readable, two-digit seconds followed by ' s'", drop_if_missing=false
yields 10 h 29 min
